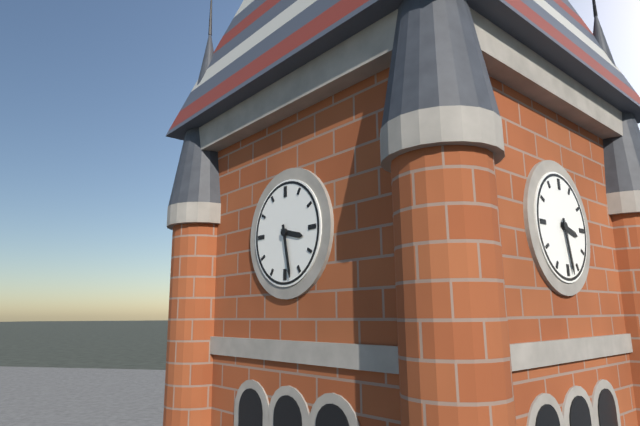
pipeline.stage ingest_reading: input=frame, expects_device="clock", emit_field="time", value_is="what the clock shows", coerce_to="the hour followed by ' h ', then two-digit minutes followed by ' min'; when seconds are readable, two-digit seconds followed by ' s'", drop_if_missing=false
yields 3 h 28 min
